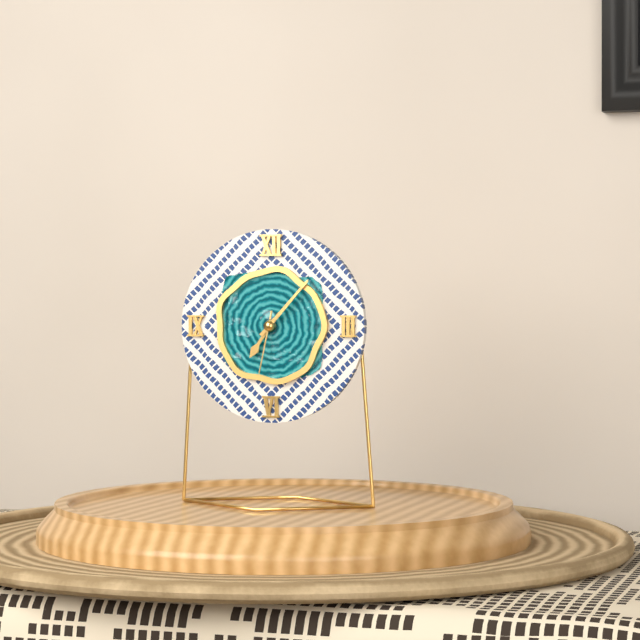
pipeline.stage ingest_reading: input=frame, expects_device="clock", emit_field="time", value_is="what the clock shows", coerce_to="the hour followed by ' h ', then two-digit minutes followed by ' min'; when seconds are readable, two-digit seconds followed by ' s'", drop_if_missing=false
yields 7 h 07 min 32 s
